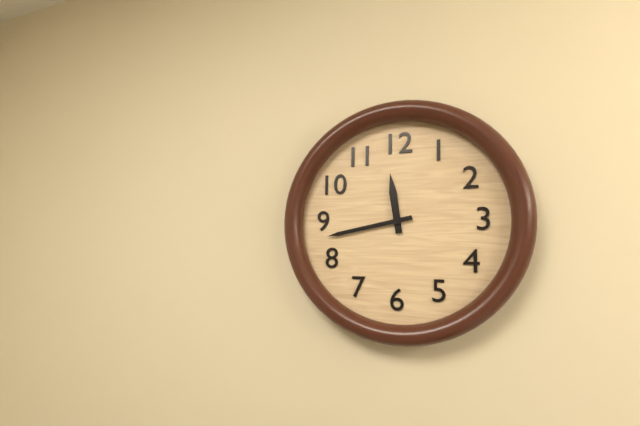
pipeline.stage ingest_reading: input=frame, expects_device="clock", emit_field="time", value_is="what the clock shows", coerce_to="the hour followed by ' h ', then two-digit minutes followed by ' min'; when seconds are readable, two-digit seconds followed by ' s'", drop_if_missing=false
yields 11 h 43 min
